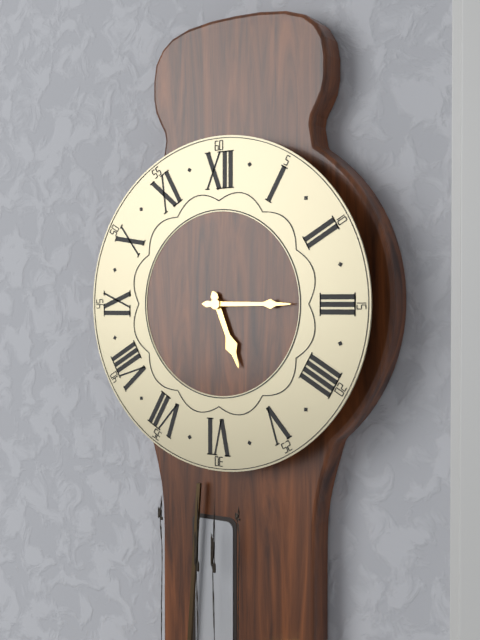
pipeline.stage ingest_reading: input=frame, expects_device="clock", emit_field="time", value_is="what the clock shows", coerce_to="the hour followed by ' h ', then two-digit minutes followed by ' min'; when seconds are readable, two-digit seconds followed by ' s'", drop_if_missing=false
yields 5 h 15 min
